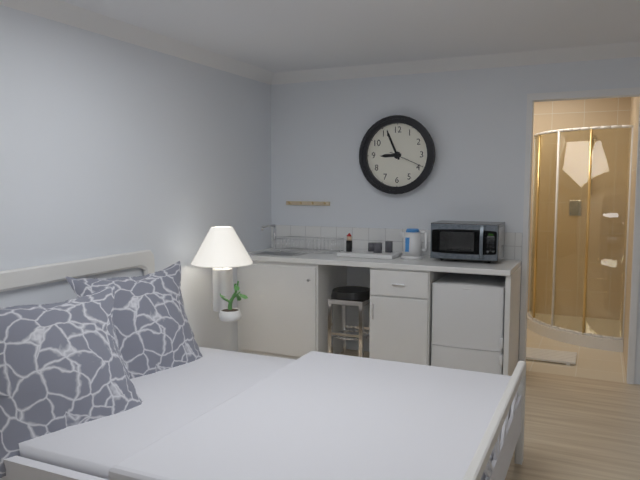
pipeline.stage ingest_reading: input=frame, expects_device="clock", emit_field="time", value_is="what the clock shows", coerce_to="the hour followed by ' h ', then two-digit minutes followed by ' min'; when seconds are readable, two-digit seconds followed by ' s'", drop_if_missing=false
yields 8 h 56 min
